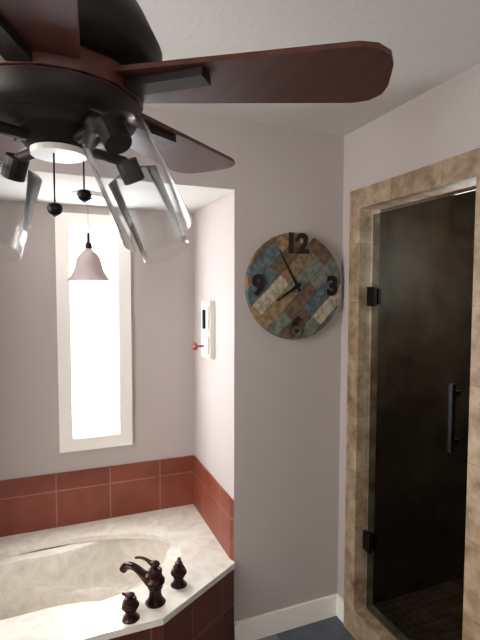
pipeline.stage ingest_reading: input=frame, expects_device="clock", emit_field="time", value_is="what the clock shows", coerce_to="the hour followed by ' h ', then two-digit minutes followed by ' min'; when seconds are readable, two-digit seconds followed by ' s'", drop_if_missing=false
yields 7 h 55 min
